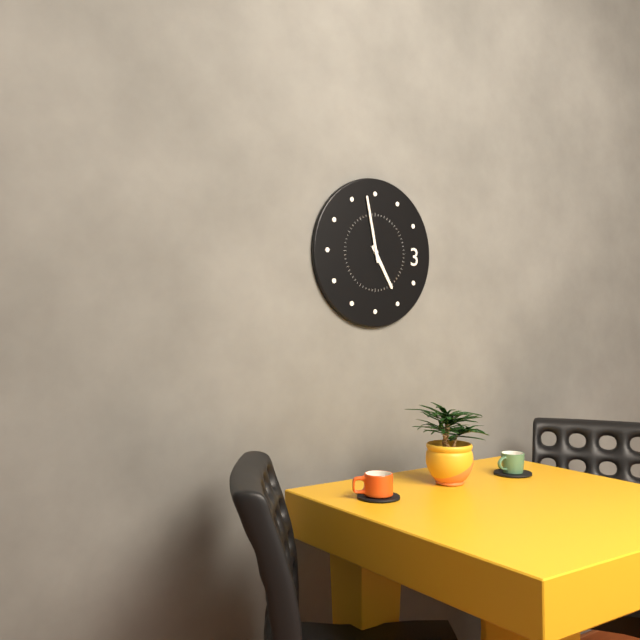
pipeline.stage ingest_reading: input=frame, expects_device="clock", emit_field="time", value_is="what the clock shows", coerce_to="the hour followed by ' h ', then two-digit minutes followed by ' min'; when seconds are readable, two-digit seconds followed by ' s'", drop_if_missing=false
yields 4 h 58 min
